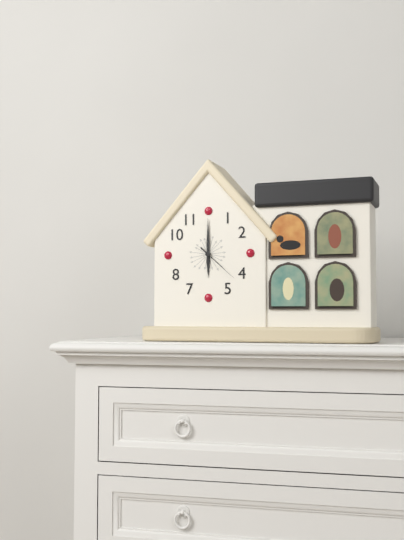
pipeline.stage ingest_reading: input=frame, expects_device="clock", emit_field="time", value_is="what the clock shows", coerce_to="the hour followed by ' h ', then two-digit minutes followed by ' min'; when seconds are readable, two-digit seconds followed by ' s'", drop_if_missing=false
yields 6 h 00 min
